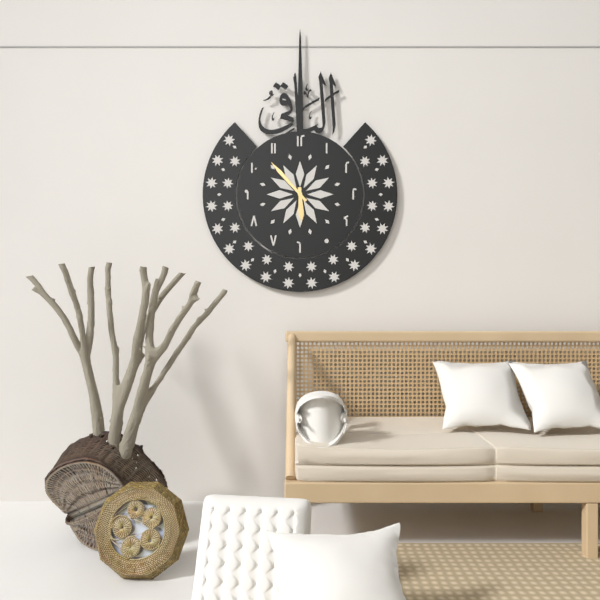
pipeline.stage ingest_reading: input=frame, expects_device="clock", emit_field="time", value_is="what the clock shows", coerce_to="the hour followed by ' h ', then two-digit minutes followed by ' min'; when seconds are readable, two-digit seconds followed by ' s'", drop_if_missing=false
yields 5 h 53 min
